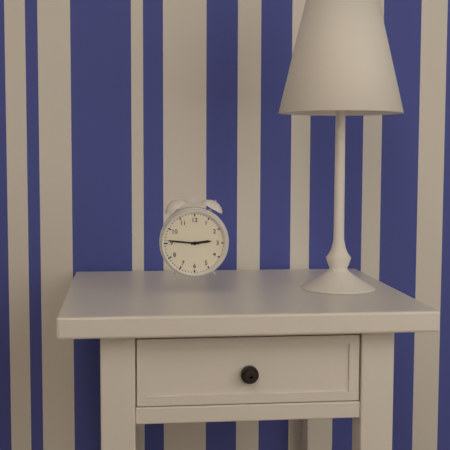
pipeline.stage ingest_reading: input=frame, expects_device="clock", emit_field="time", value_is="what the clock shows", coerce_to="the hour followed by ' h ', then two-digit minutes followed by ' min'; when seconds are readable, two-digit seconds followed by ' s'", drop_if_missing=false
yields 2 h 46 min
